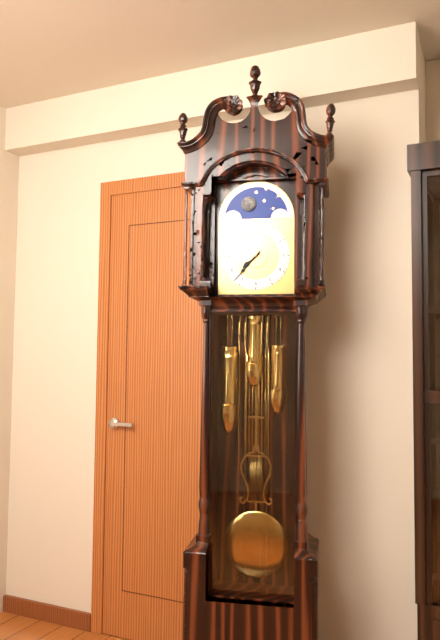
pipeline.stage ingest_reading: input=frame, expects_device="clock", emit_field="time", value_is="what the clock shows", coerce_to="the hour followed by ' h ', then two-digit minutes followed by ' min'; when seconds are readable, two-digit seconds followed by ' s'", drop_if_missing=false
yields 7 h 37 min
